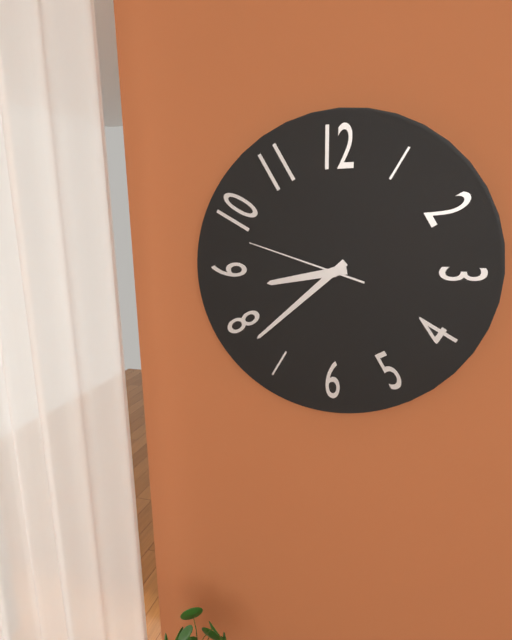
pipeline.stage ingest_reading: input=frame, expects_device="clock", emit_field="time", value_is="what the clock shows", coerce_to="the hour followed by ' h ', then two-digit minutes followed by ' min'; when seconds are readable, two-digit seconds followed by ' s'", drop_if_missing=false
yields 8 h 38 min 48 s
